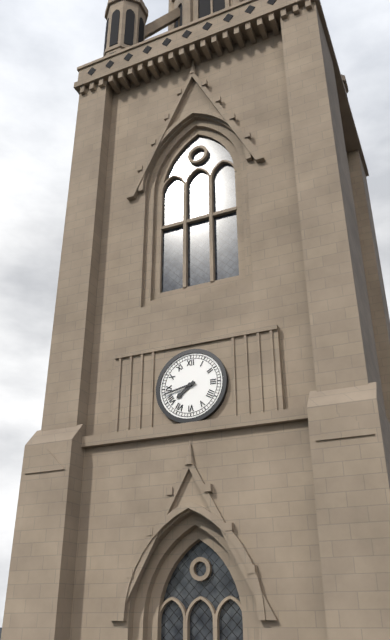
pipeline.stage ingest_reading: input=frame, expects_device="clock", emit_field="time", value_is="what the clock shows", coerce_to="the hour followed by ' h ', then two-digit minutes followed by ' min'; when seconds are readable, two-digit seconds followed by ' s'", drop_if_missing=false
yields 7 h 43 min
